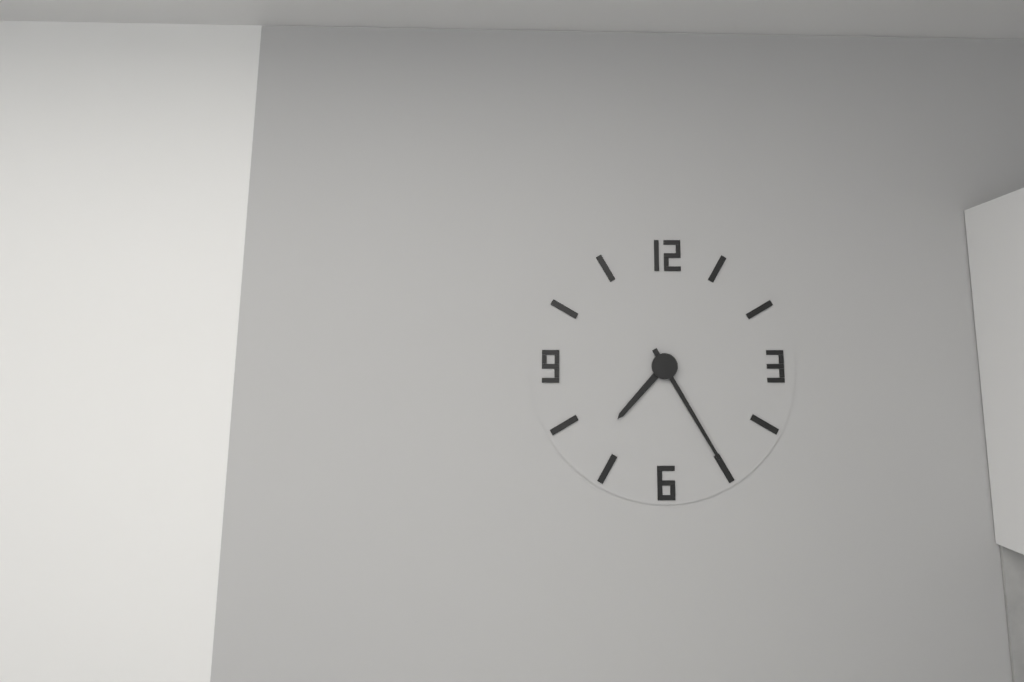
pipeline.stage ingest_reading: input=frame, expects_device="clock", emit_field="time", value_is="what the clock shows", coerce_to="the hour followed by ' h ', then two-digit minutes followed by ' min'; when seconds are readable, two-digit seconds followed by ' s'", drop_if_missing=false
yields 7 h 25 min
